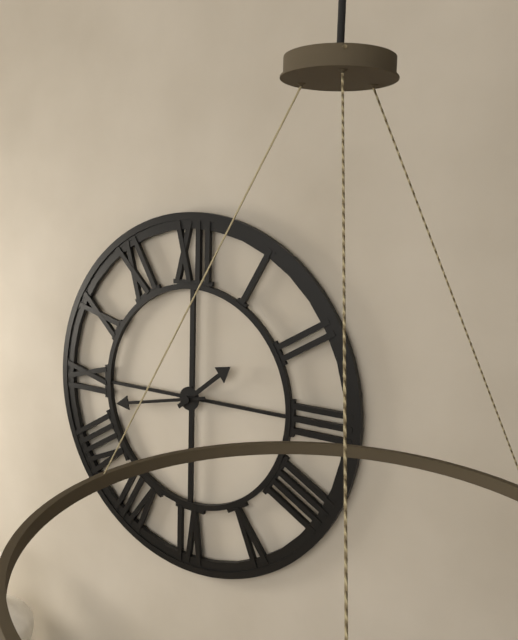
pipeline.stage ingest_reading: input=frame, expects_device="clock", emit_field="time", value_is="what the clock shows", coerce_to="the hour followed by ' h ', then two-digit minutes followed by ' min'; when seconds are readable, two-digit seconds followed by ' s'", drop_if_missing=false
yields 1 h 43 min
